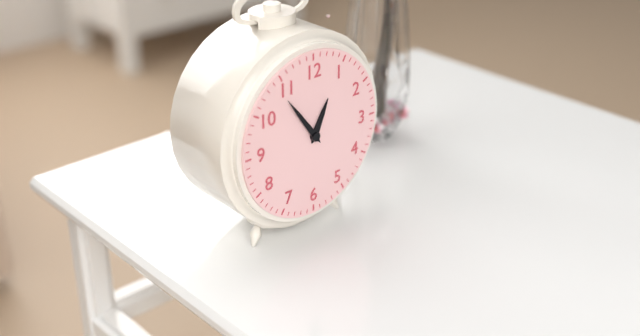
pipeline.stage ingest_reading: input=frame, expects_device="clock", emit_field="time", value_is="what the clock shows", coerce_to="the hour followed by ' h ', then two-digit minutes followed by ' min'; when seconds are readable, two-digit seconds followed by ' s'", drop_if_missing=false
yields 12 h 54 min
